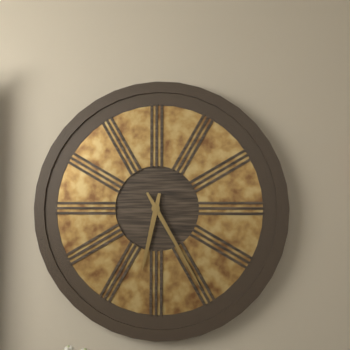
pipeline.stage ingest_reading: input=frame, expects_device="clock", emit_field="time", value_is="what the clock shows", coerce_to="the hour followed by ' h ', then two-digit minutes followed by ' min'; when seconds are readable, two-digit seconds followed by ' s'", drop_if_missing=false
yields 6 h 25 min
